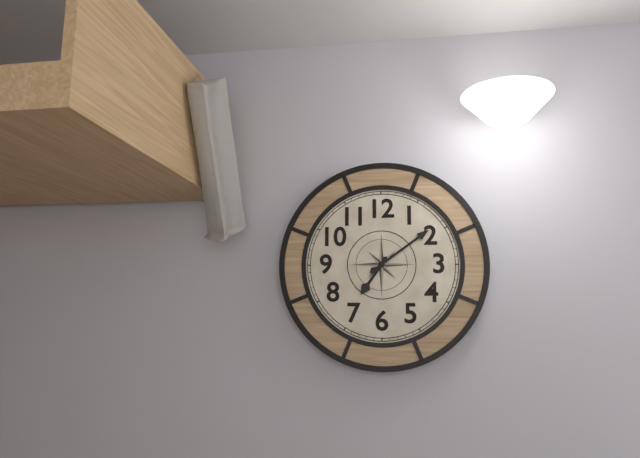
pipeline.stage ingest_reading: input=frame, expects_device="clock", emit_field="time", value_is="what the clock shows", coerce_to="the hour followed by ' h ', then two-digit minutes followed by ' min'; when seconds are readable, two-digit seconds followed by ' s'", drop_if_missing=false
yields 7 h 09 min
